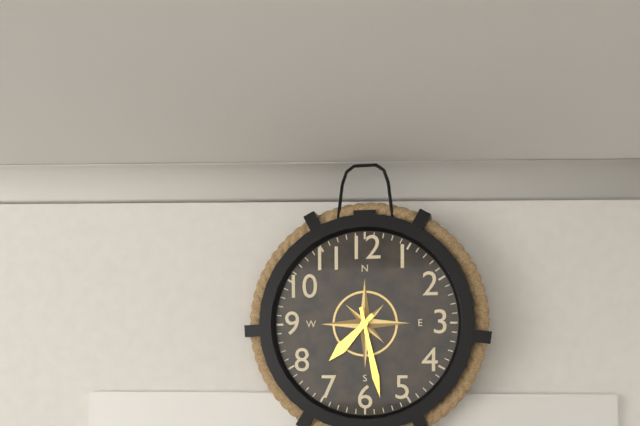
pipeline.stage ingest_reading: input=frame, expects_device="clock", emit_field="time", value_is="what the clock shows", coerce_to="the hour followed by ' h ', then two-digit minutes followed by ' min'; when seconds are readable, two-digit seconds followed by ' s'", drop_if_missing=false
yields 7 h 28 min
